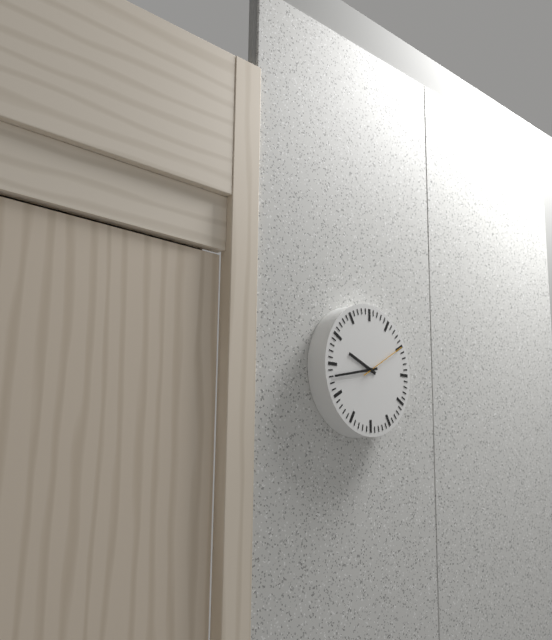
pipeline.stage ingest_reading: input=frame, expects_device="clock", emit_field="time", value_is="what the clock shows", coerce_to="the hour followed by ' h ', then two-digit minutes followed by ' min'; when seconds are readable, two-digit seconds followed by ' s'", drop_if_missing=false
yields 9 h 43 min 10 s
